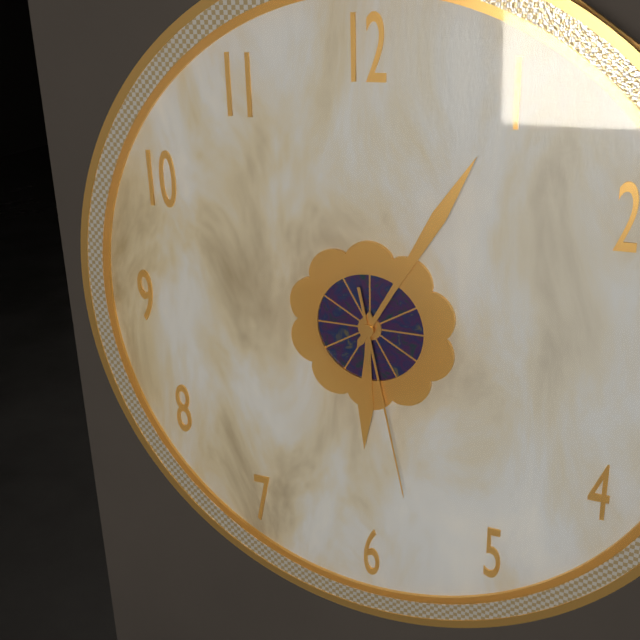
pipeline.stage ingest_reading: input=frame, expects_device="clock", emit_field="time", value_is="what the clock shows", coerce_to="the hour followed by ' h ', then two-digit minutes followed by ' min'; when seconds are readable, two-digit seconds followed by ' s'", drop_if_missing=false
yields 6 h 05 min 28 s
